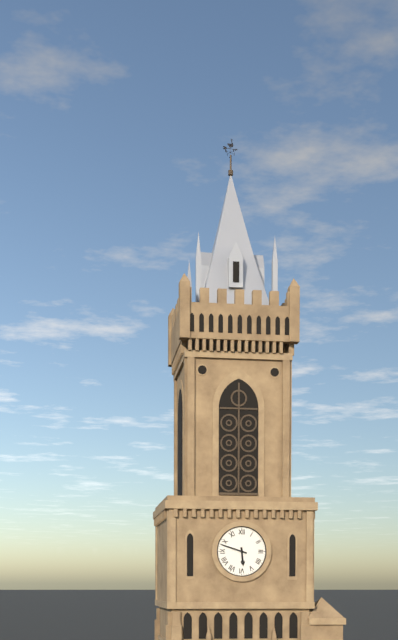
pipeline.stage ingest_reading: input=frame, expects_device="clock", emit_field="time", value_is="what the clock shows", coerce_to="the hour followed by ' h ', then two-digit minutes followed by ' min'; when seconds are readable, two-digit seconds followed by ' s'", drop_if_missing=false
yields 5 h 48 min
